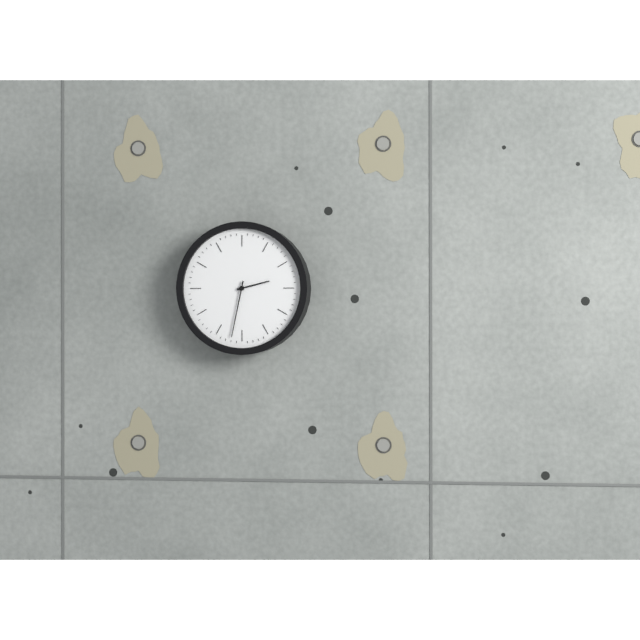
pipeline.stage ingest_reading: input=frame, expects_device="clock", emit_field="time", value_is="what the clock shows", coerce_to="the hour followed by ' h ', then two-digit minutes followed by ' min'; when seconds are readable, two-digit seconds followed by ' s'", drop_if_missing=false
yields 2 h 32 min
